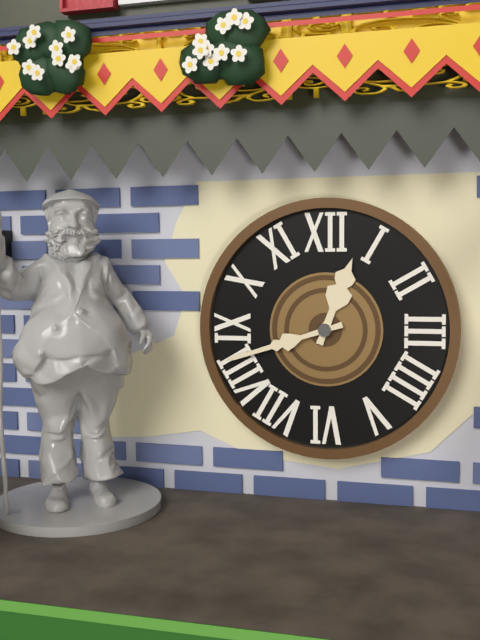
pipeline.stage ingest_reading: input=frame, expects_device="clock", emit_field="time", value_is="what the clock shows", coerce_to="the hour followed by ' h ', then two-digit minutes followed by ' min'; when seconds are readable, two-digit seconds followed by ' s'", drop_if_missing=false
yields 12 h 42 min
